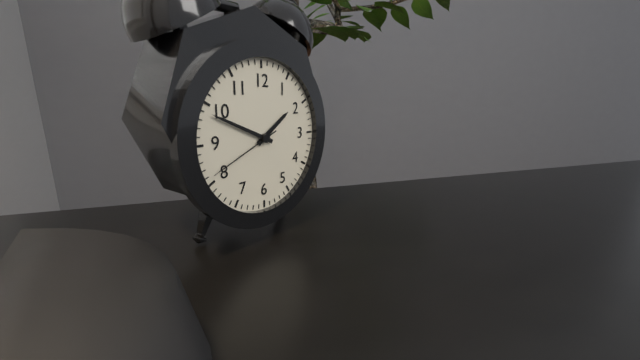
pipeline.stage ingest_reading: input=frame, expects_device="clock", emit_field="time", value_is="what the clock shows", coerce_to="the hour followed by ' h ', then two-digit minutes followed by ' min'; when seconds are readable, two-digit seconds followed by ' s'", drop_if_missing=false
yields 1 h 49 min 41 s
